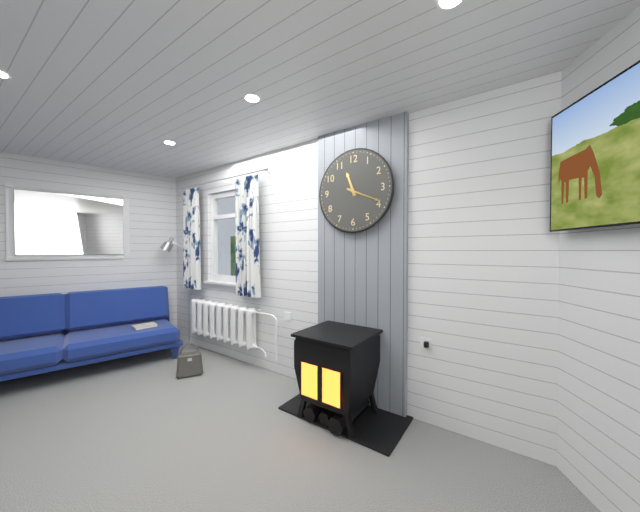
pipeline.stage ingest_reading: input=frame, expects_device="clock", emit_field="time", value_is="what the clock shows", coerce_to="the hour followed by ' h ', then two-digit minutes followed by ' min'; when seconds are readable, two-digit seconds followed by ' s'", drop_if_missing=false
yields 11 h 19 min
